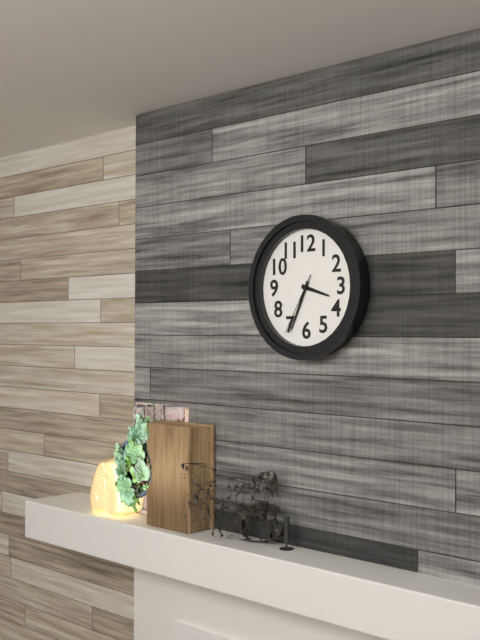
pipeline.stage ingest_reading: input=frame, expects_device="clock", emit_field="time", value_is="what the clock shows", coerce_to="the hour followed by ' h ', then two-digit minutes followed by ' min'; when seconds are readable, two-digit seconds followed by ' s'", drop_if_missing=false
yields 3 h 34 min 35 s
